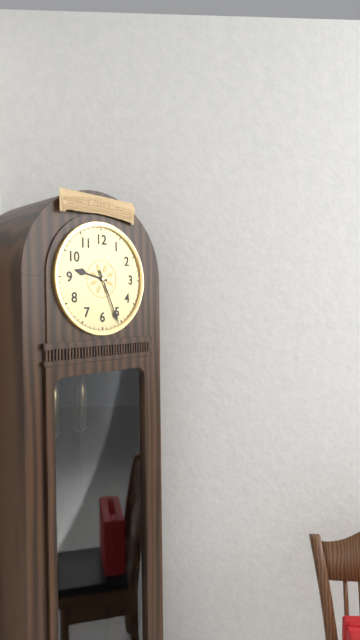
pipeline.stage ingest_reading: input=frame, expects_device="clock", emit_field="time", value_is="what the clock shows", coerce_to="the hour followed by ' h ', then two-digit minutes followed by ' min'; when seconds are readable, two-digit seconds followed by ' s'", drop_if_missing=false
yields 9 h 26 min
